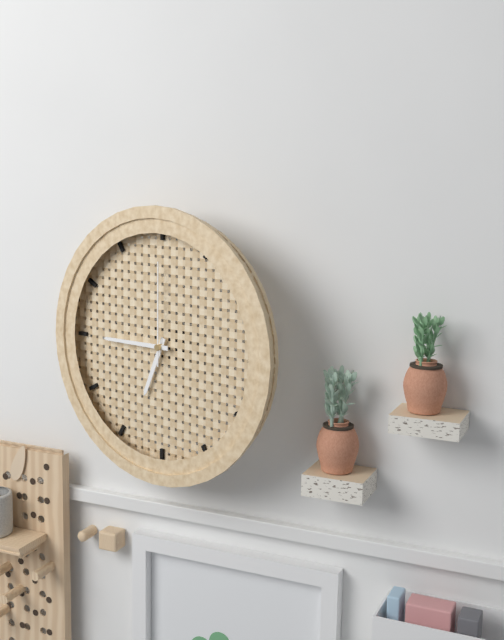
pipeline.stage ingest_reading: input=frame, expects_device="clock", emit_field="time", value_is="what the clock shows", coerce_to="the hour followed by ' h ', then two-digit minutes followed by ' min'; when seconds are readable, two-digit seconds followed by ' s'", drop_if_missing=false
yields 6 h 45 min 00 s
